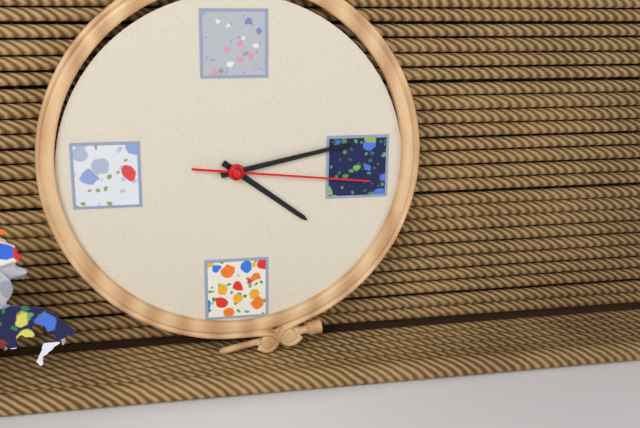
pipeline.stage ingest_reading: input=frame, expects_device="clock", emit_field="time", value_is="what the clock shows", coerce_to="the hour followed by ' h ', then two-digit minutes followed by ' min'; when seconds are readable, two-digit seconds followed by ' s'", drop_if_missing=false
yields 4 h 13 min 16 s
